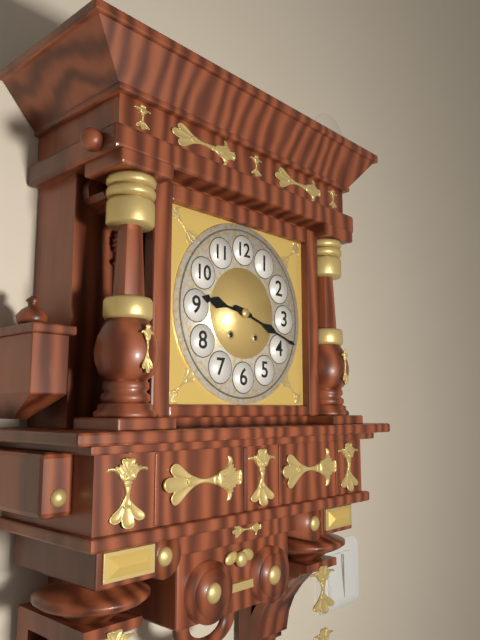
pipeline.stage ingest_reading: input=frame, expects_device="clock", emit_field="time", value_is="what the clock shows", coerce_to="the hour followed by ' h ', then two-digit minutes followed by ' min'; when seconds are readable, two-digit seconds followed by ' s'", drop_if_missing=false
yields 9 h 18 min
